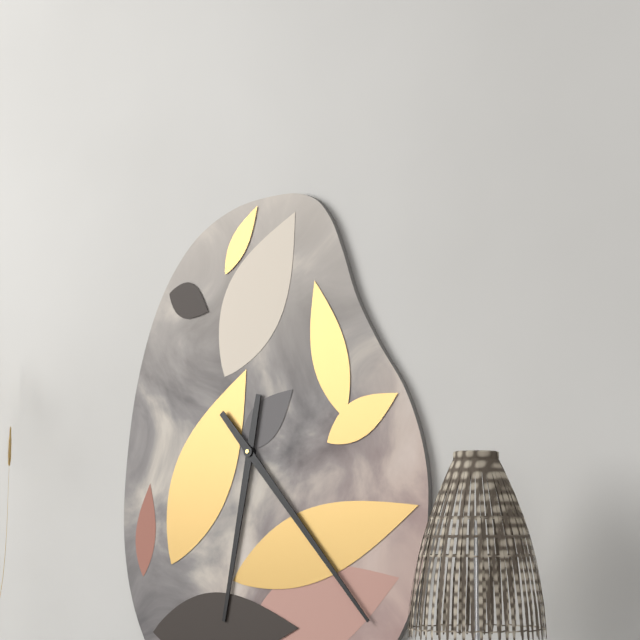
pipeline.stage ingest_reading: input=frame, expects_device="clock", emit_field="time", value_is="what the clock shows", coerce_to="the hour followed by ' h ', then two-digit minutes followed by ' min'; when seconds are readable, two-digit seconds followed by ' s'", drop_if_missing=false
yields 6 h 23 min
